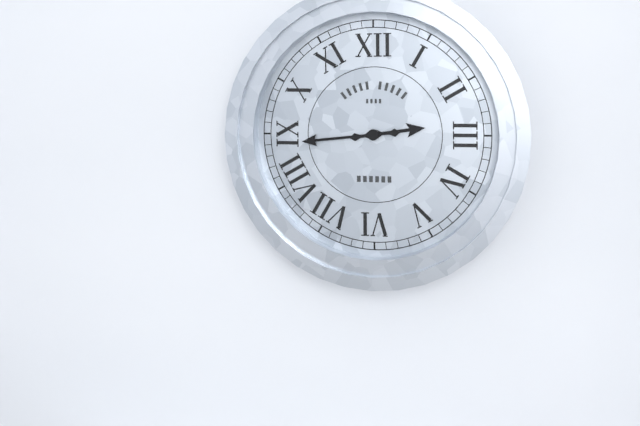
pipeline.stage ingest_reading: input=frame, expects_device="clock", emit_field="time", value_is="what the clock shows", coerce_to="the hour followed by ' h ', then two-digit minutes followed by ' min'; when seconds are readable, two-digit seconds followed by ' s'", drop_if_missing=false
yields 2 h 44 min
